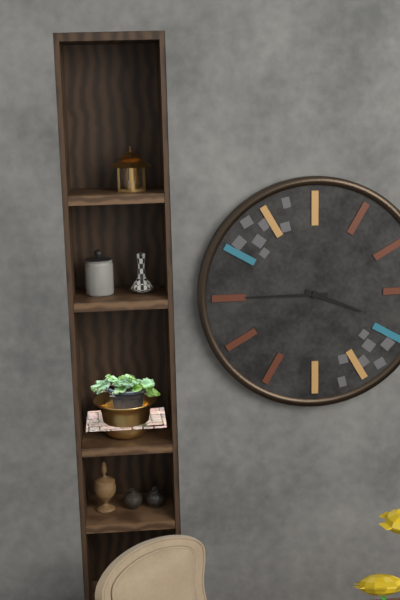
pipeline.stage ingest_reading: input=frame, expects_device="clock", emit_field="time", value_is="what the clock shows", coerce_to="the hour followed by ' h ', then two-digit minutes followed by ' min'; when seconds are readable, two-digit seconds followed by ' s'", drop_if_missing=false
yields 3 h 45 min
